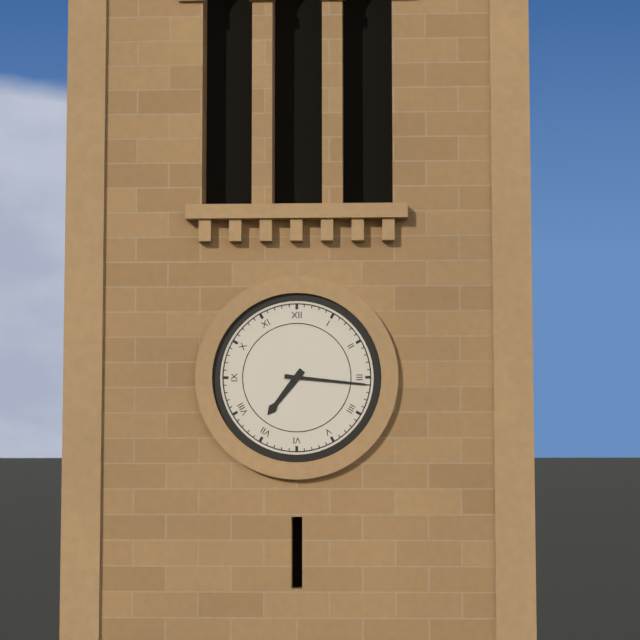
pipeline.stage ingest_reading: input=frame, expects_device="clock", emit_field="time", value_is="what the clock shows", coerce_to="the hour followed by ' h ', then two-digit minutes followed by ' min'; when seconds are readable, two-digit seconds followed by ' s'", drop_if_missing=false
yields 7 h 16 min
